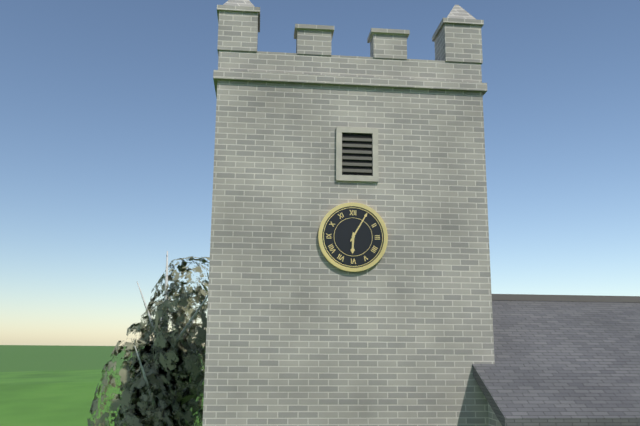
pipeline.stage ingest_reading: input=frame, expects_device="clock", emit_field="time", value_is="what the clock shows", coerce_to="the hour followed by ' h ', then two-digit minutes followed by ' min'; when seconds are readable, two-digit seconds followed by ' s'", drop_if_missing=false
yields 6 h 05 min
